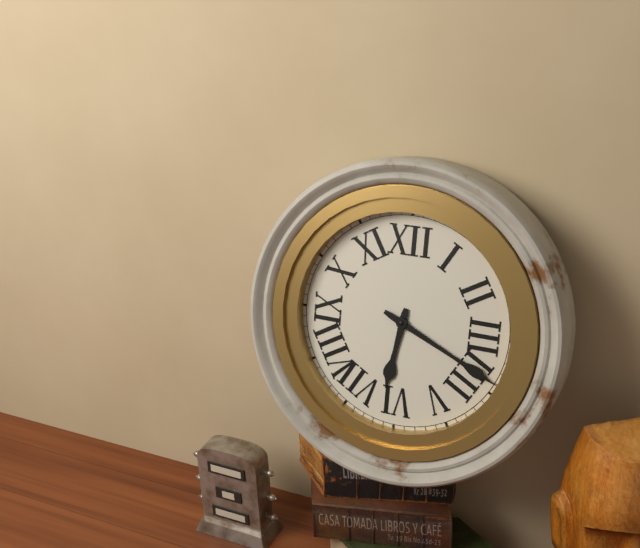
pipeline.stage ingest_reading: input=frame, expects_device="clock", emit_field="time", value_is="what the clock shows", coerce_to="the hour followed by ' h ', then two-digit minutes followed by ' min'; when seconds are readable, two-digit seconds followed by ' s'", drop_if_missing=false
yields 6 h 19 min
